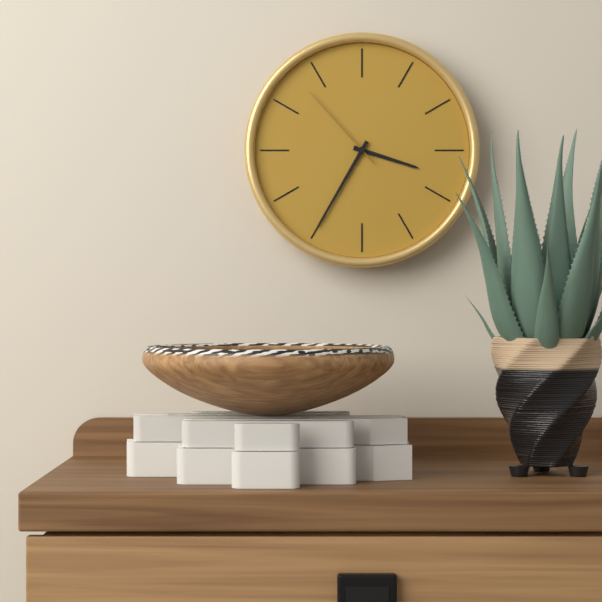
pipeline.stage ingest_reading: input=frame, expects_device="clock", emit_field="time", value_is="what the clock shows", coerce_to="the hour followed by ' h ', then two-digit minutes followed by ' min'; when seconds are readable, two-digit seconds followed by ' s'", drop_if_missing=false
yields 3 h 35 min 53 s
